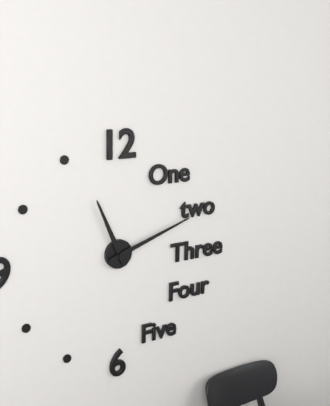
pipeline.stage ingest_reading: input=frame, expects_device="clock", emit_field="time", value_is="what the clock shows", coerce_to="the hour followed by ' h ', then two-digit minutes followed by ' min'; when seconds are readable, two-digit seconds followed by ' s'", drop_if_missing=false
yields 11 h 12 min
